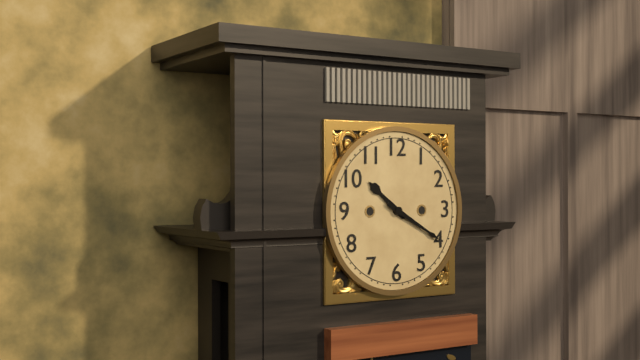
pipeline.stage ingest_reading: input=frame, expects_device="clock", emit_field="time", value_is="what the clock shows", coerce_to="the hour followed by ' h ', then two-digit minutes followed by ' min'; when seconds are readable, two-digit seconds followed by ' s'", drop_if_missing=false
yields 10 h 20 min
